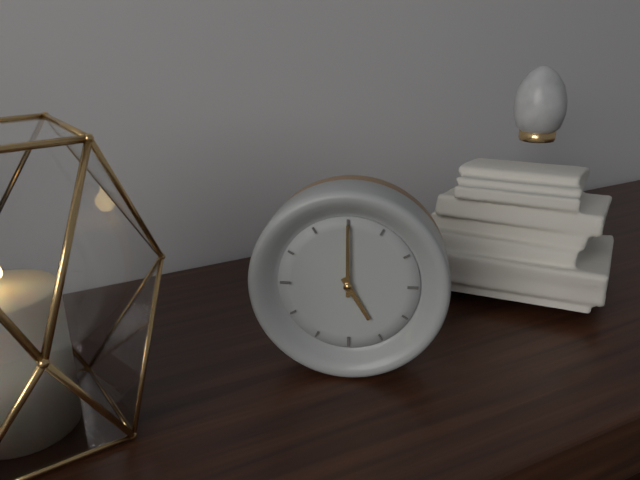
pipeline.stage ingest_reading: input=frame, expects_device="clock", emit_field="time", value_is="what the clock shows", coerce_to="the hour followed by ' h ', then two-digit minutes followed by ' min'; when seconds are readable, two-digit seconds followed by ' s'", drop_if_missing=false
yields 5 h 00 min
